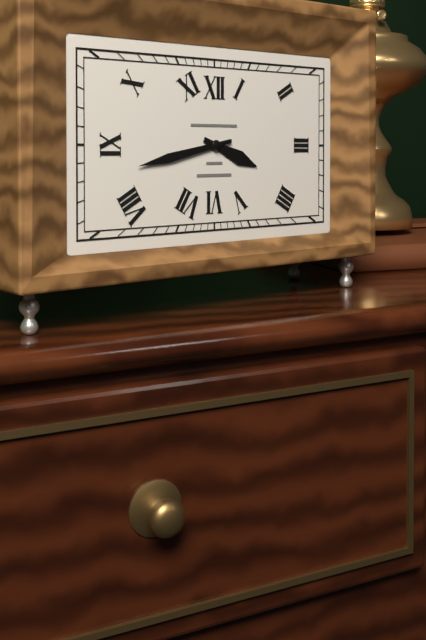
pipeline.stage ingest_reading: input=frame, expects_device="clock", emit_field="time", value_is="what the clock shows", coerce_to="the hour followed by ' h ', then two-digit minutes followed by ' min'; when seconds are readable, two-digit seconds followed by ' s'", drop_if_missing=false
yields 3 h 43 min
